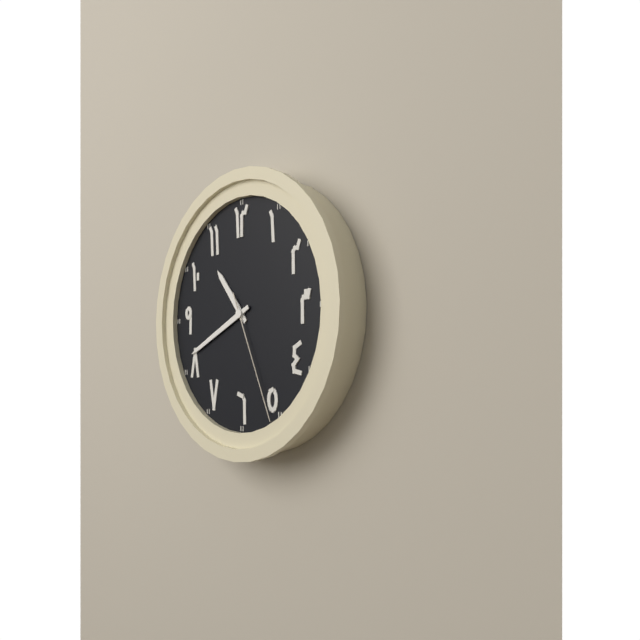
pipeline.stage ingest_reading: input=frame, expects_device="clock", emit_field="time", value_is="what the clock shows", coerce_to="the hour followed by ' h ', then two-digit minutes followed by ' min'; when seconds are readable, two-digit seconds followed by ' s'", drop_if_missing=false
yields 10 h 41 min 26 s
